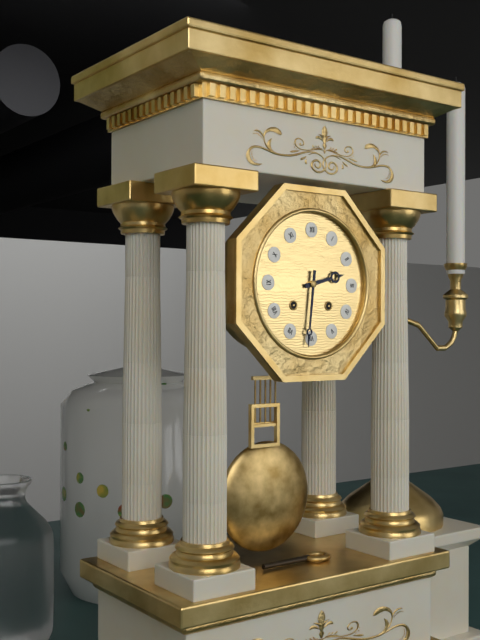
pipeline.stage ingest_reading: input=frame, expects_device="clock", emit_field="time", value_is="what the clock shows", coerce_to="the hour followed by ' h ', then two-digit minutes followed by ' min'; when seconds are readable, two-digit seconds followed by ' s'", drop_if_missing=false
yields 2 h 31 min
